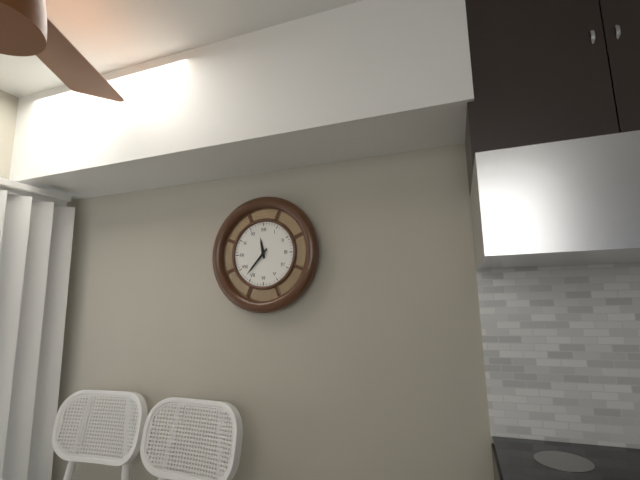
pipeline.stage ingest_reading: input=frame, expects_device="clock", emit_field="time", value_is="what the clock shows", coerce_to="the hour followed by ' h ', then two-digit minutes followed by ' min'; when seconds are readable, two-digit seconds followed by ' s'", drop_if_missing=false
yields 11 h 37 min
